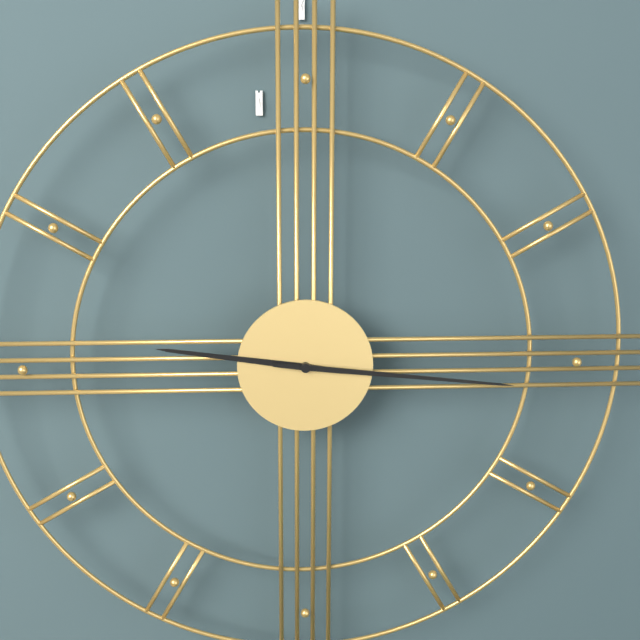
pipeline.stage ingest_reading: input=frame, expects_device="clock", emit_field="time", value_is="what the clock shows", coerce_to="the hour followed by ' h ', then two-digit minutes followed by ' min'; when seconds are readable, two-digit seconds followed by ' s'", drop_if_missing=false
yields 9 h 16 min
